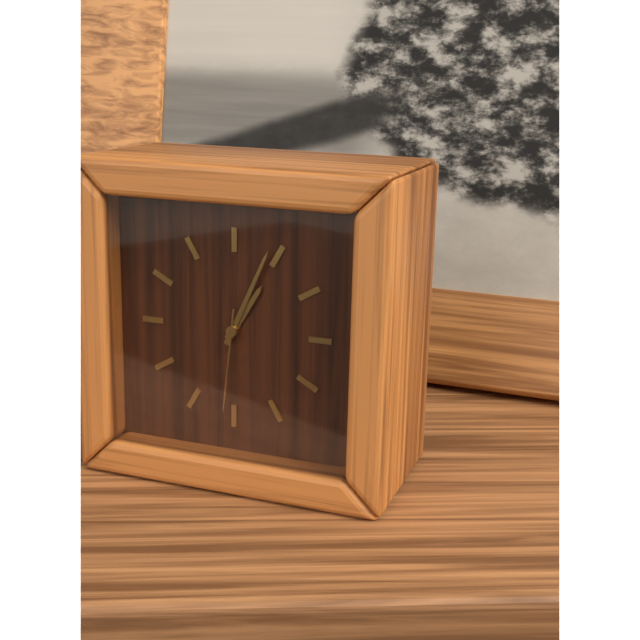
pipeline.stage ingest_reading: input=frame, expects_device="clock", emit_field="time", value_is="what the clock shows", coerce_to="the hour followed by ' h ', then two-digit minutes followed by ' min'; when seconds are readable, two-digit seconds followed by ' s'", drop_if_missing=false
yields 1 h 04 min 31 s
